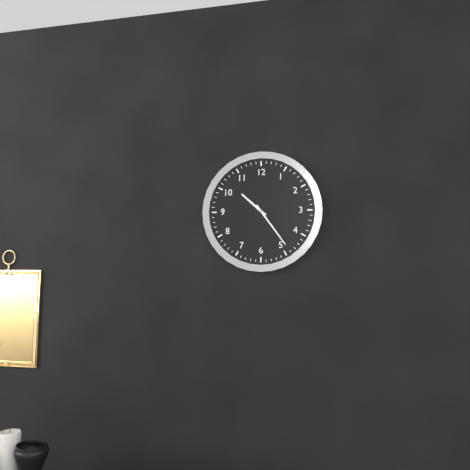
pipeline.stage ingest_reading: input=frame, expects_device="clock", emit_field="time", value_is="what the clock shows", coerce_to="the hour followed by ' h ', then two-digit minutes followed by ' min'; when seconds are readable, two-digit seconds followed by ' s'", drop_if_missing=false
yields 10 h 24 min
